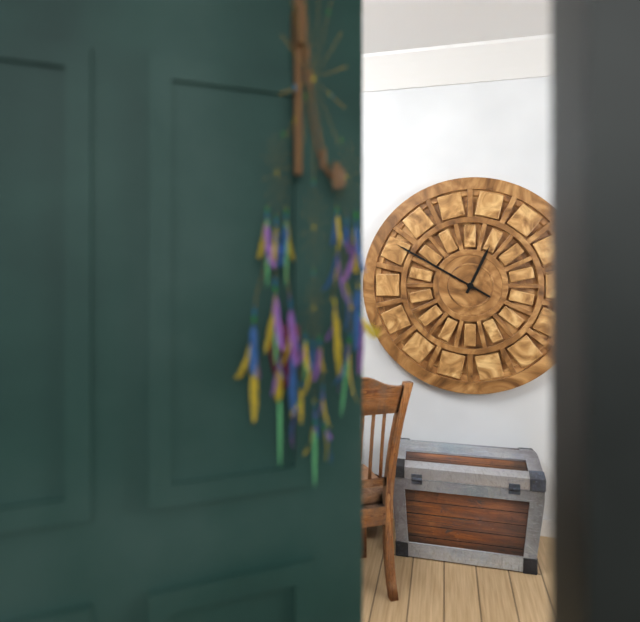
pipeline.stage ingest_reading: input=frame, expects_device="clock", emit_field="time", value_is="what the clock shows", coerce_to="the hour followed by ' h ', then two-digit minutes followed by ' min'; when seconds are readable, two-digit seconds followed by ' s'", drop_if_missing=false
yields 12 h 50 min
